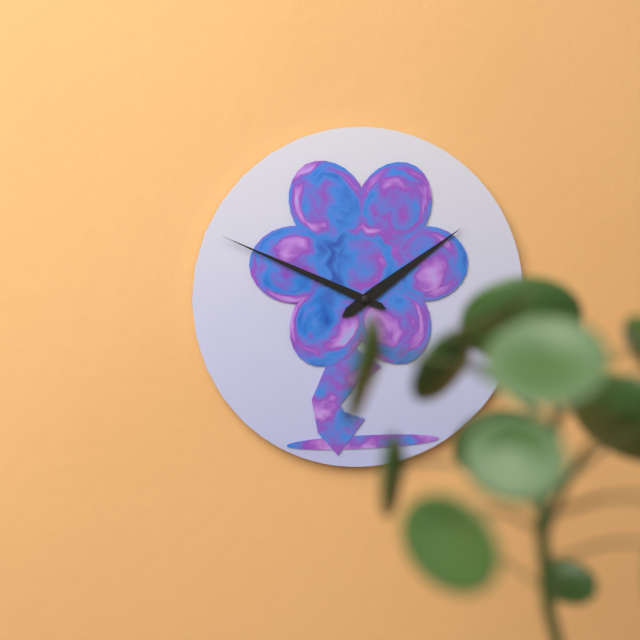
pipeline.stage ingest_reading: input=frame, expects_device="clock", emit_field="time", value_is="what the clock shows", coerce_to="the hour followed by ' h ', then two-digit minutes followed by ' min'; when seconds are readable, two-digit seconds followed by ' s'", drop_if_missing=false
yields 1 h 49 min
